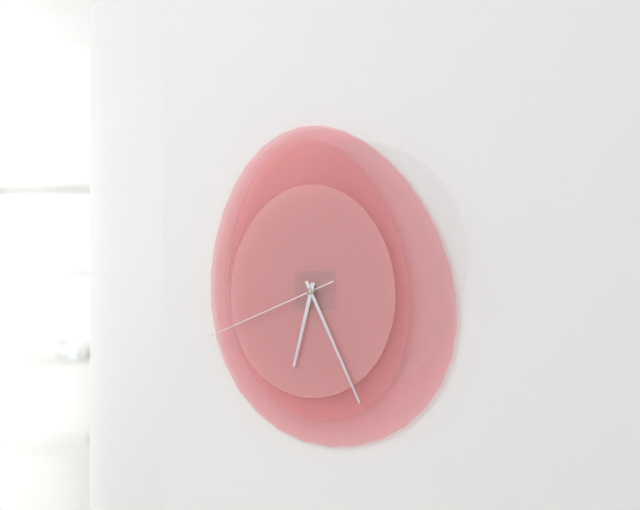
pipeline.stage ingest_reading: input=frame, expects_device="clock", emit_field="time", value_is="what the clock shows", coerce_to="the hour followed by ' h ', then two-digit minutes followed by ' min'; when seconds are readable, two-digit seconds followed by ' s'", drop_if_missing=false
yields 6 h 26 min 41 s
